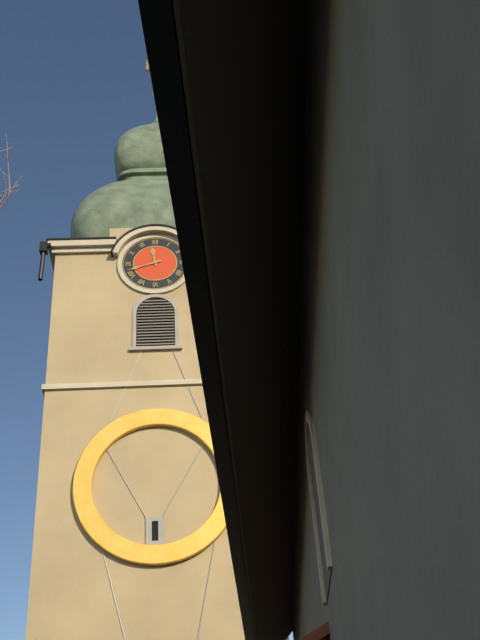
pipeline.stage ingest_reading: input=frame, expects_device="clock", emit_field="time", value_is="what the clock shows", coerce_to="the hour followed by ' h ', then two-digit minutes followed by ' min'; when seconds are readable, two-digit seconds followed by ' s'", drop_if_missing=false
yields 11 h 42 min
